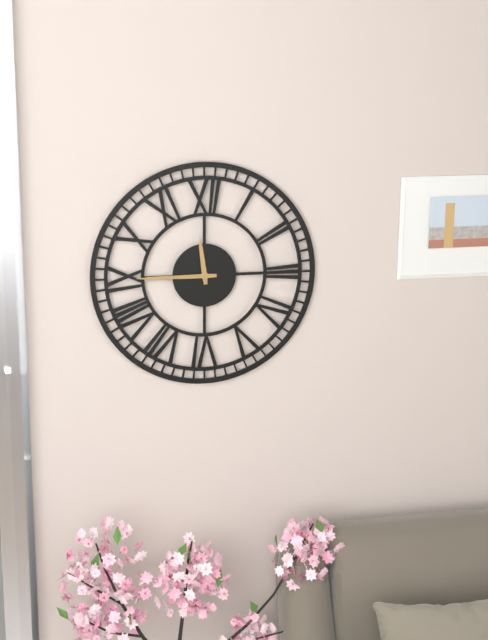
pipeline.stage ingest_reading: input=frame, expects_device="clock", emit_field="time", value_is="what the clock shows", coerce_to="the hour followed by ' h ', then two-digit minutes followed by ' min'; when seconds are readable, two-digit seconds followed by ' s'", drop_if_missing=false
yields 11 h 45 min
